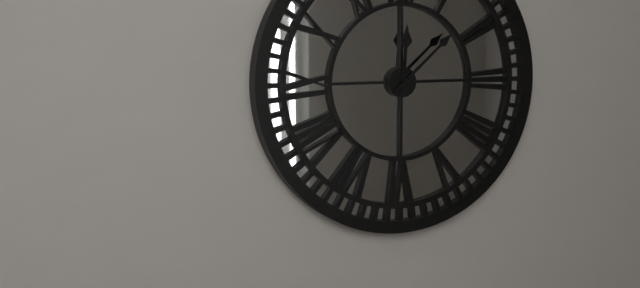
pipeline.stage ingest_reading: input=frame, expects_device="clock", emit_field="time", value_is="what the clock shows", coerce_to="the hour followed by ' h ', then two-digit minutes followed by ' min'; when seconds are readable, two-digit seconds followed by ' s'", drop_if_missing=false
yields 12 h 08 min
